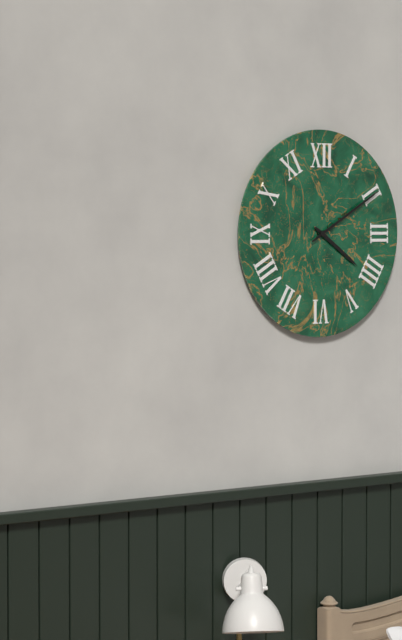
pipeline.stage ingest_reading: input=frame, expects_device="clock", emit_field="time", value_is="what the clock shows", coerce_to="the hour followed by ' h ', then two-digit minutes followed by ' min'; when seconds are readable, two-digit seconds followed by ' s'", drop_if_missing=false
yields 4 h 10 min
